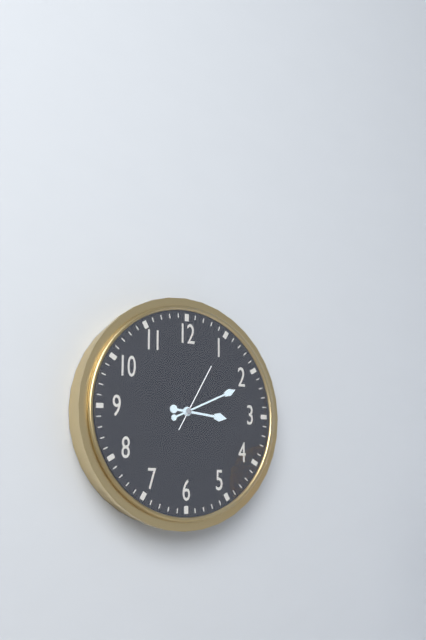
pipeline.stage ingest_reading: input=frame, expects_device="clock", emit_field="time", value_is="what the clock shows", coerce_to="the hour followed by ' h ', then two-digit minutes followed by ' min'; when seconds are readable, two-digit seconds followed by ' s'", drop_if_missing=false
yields 3 h 11 min 05 s
